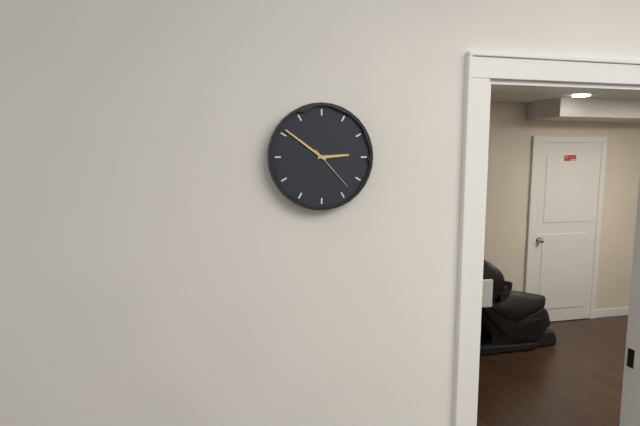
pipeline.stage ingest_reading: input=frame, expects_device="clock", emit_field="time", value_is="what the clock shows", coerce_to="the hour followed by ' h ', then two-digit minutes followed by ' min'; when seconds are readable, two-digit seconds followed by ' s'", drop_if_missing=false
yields 2 h 51 min 23 s
